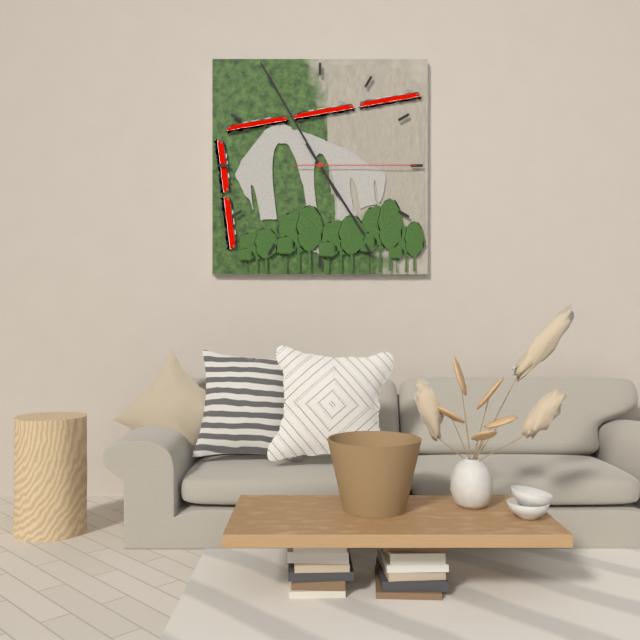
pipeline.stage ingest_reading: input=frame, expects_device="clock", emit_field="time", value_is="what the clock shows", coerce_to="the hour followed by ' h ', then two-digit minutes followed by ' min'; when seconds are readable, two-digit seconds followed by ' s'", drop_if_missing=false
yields 4 h 55 min 15 s
